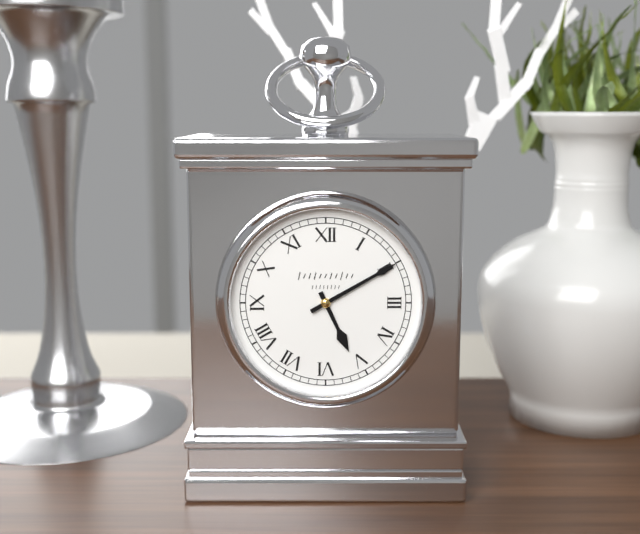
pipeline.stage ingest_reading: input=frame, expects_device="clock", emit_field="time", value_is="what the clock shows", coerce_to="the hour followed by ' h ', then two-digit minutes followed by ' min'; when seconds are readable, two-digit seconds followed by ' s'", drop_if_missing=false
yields 5 h 10 min
